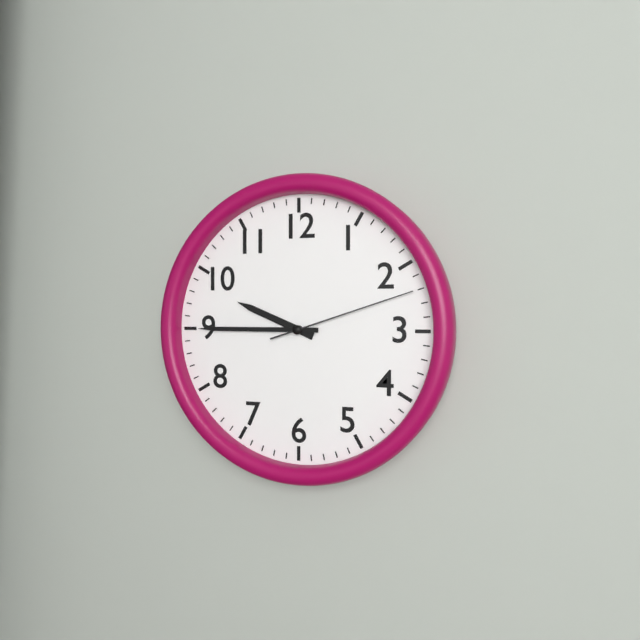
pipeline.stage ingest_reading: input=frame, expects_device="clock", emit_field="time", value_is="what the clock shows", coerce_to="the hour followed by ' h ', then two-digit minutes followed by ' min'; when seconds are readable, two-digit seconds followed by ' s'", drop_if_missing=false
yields 9 h 45 min 12 s
